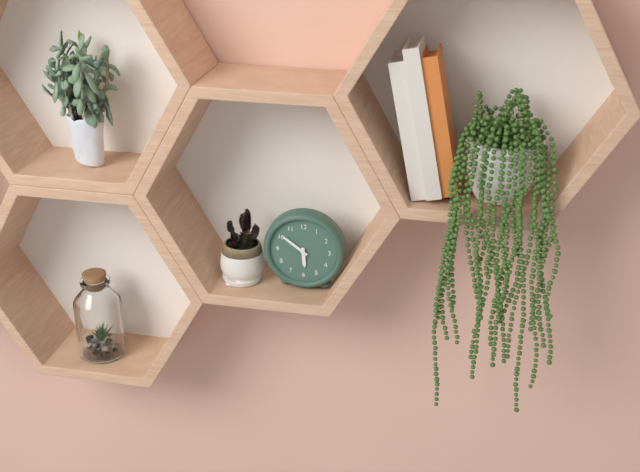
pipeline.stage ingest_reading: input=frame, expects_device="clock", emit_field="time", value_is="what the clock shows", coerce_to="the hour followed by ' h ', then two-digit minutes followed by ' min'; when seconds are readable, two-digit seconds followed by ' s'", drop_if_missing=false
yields 5 h 51 min
